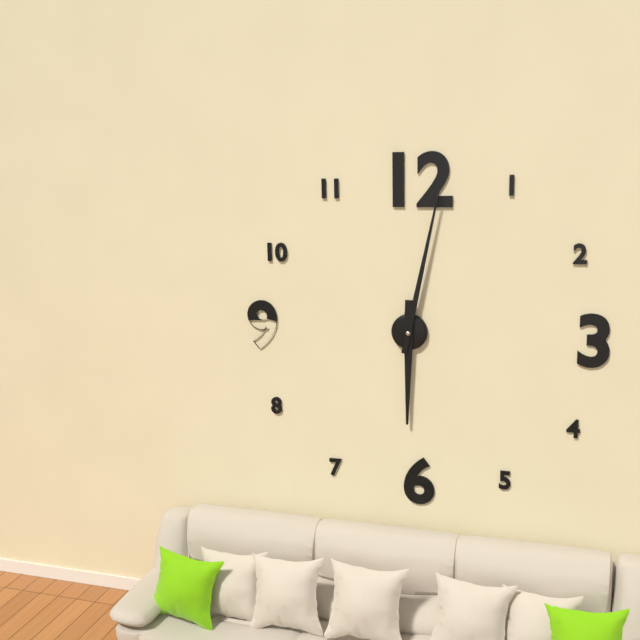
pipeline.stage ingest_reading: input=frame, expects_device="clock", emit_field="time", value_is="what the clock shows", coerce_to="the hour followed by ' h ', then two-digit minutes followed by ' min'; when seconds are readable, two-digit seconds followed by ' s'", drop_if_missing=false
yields 6 h 02 min
